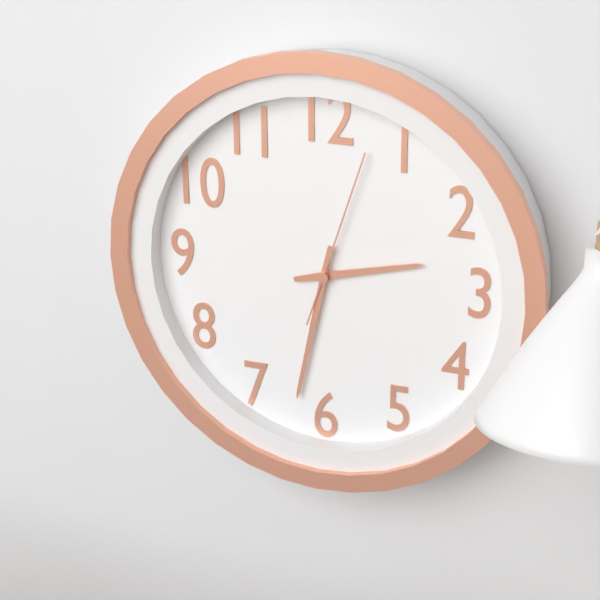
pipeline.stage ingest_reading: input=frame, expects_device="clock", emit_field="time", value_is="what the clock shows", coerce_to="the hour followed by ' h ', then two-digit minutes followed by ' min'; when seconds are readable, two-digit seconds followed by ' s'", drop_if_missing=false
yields 2 h 32 min 03 s
